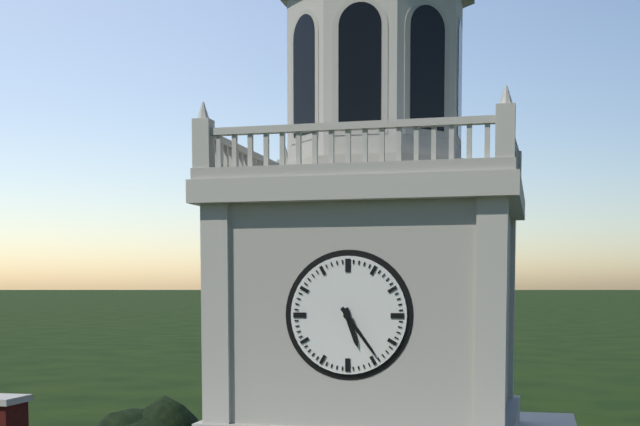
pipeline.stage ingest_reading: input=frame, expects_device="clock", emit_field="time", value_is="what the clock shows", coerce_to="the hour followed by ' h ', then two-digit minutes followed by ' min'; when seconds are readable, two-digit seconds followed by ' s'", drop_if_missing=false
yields 5 h 24 min
